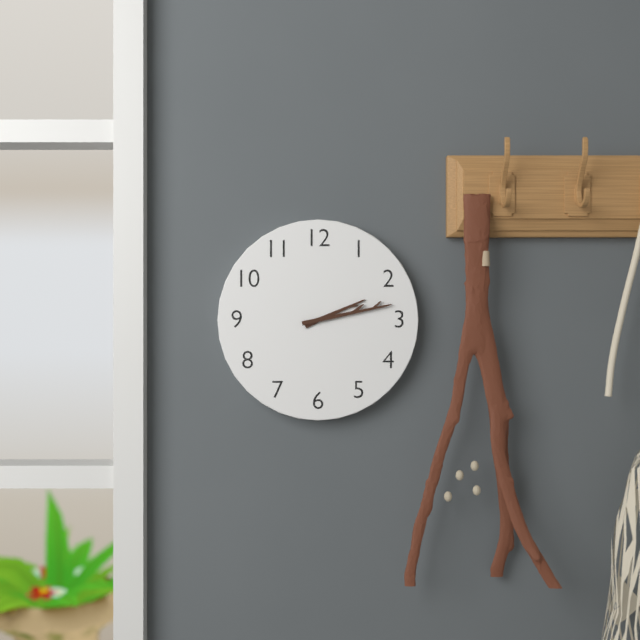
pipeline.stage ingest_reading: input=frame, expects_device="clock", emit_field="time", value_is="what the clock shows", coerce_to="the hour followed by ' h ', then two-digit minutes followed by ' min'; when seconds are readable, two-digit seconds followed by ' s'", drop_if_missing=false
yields 2 h 13 min
